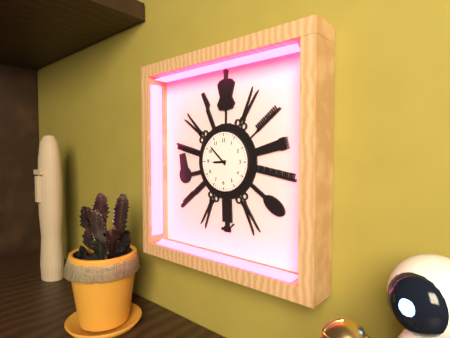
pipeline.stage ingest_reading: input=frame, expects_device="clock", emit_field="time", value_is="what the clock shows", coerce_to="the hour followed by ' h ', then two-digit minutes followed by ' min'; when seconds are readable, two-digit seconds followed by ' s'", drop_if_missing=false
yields 8 h 52 min
